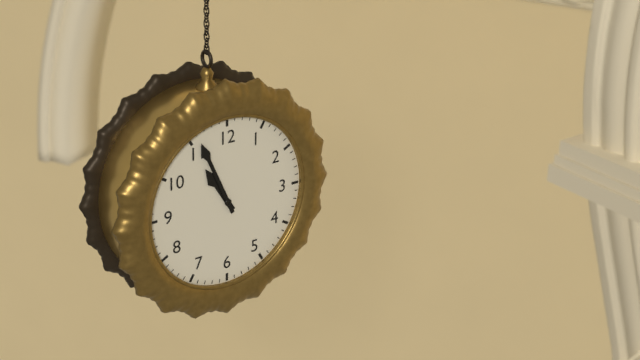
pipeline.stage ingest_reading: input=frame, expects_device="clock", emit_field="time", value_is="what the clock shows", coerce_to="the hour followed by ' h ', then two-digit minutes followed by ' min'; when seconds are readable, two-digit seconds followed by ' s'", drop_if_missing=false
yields 10 h 56 min
